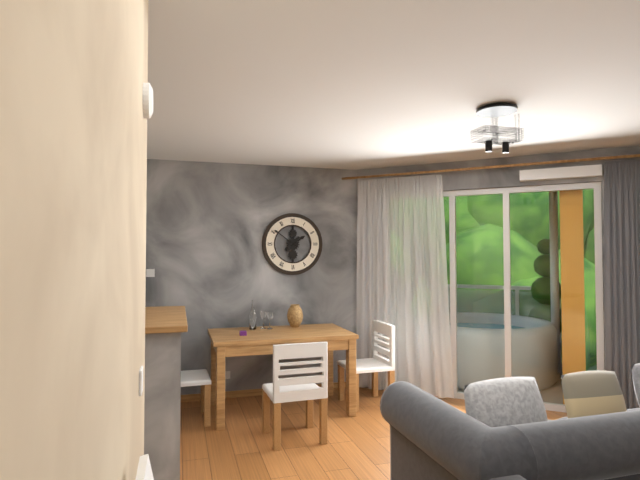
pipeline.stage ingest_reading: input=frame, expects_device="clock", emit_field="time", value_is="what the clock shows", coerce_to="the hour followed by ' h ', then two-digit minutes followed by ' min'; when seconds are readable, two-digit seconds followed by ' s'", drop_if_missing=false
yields 1 h 51 min
